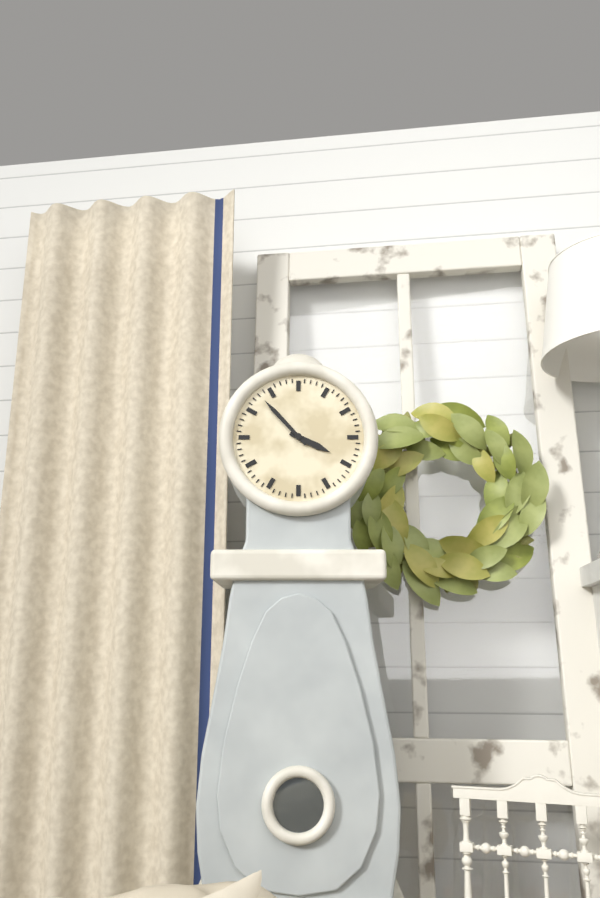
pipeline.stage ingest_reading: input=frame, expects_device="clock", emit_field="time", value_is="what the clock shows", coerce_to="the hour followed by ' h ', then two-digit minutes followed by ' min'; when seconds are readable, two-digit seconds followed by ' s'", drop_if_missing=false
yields 3 h 53 min
